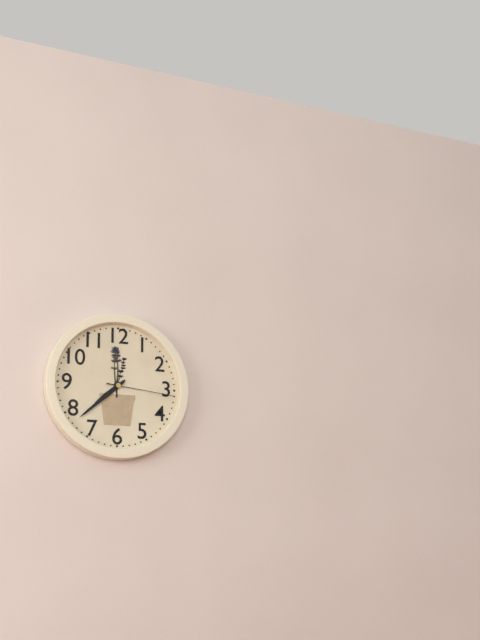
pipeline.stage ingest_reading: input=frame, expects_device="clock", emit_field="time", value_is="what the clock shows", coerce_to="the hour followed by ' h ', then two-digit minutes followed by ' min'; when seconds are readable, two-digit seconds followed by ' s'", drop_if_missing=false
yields 7 h 38 min 16 s
